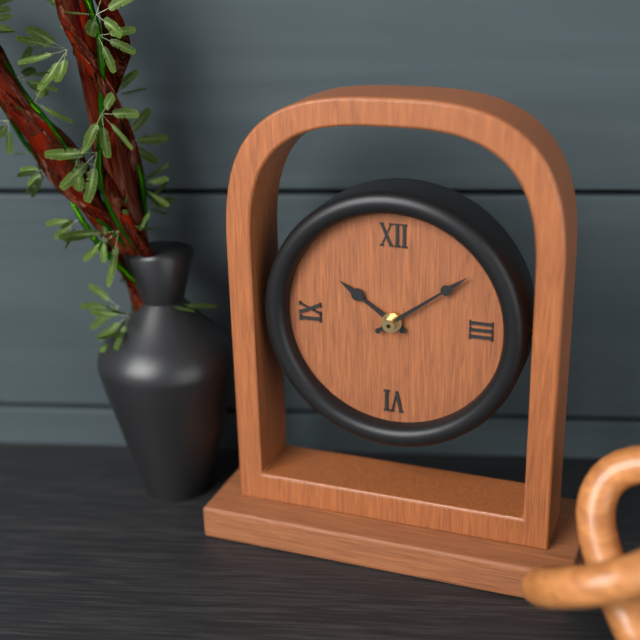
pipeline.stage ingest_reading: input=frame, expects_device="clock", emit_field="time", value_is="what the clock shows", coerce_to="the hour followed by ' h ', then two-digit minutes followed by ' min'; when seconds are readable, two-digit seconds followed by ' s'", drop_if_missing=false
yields 10 h 09 min
